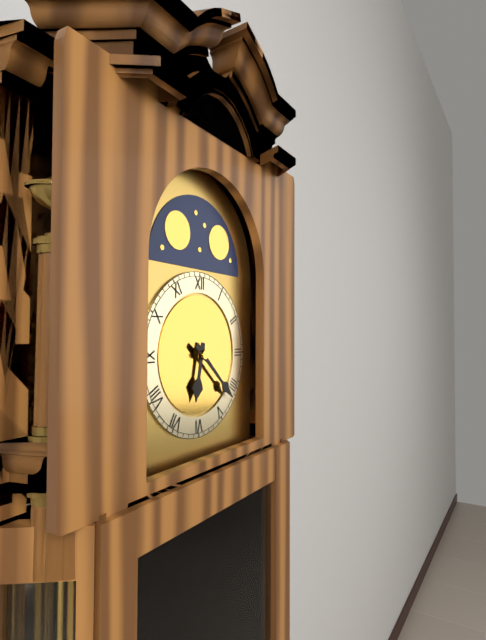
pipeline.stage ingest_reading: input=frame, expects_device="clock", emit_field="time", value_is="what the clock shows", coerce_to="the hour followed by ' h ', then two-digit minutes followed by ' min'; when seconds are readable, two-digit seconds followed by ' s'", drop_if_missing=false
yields 6 h 22 min
